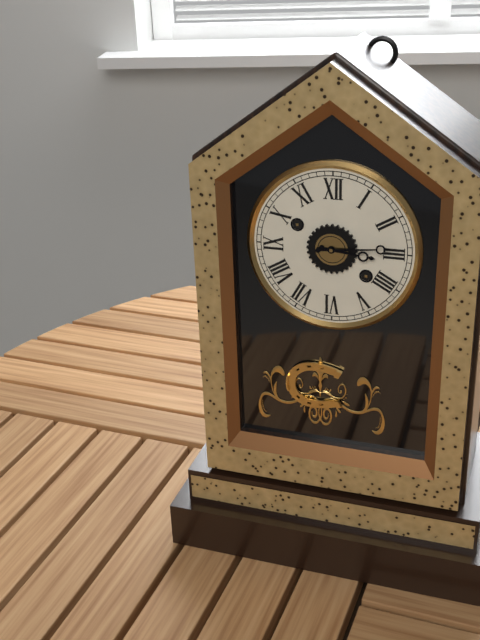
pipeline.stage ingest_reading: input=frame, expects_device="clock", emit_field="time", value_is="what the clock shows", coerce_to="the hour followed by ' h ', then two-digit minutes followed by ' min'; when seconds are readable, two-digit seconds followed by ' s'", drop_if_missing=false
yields 3 h 14 min
